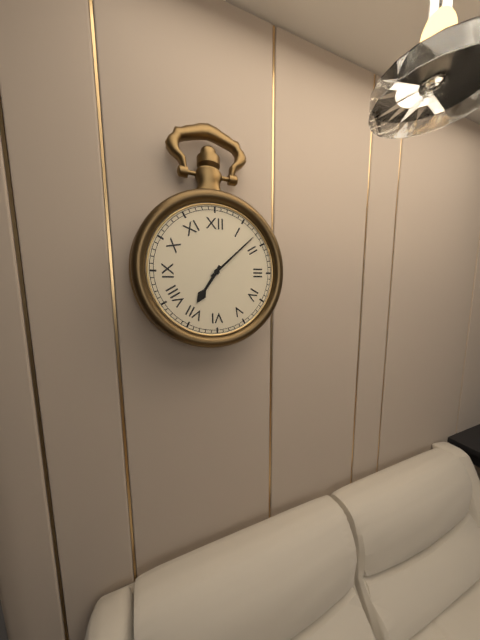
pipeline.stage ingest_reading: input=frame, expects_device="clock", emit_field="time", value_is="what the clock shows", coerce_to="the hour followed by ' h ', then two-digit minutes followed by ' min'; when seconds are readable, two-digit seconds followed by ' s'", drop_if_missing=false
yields 7 h 08 min
